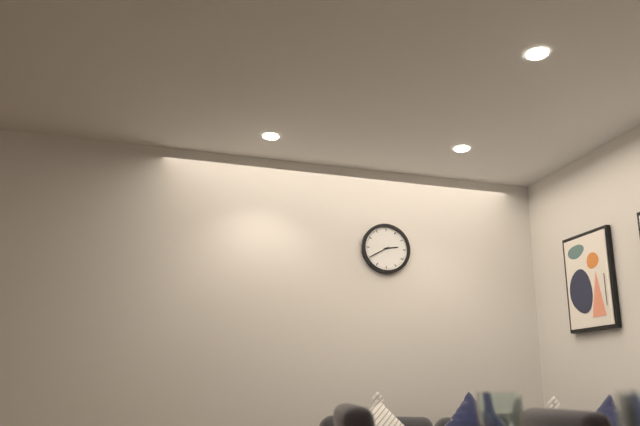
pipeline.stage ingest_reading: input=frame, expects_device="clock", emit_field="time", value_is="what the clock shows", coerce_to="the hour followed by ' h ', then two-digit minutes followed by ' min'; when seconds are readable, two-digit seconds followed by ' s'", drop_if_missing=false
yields 2 h 40 min
